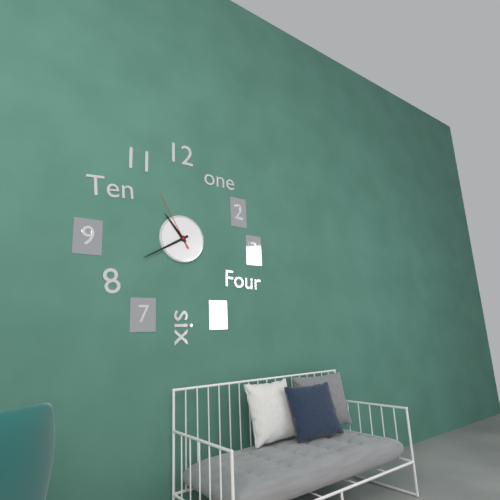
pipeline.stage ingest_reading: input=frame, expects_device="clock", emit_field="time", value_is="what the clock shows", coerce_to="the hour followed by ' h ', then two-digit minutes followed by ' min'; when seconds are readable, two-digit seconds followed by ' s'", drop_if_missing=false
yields 10 h 40 min 55 s
